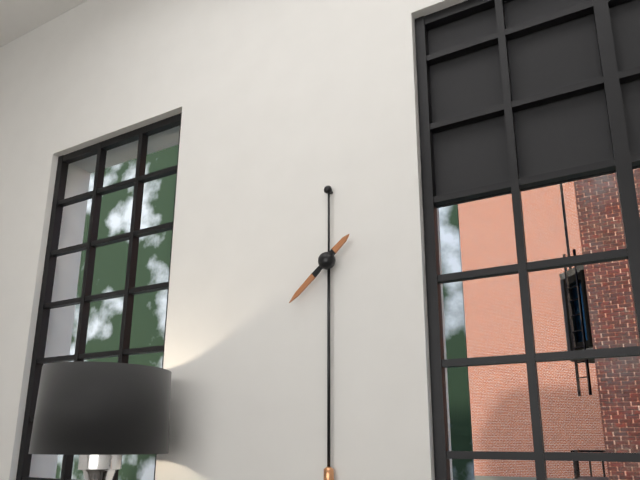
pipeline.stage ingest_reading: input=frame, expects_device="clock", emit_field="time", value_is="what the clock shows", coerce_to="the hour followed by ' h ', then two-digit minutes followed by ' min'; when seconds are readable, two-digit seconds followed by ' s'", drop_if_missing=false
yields 1 h 38 min
